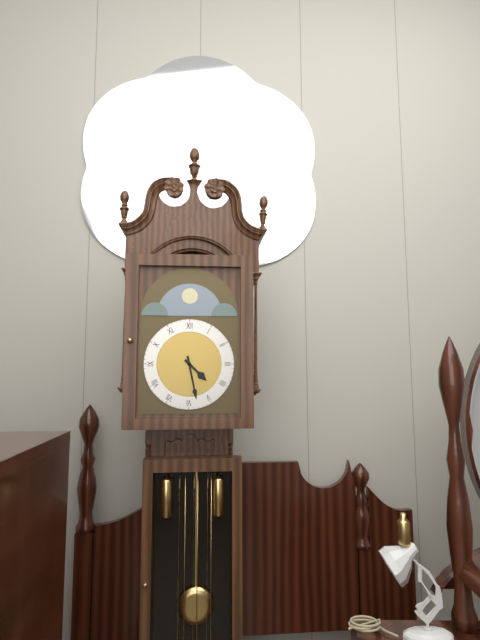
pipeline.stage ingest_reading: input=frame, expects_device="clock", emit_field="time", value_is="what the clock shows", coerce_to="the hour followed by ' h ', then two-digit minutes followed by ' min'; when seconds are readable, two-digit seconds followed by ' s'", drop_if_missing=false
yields 4 h 28 min
